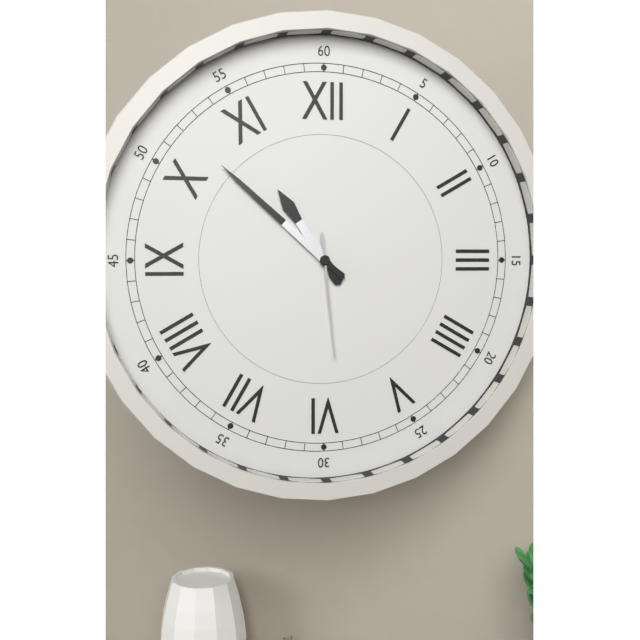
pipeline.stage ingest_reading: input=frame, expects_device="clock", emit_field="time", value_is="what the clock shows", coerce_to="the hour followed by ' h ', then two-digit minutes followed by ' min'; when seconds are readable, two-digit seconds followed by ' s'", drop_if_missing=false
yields 10 h 52 min 29 s
